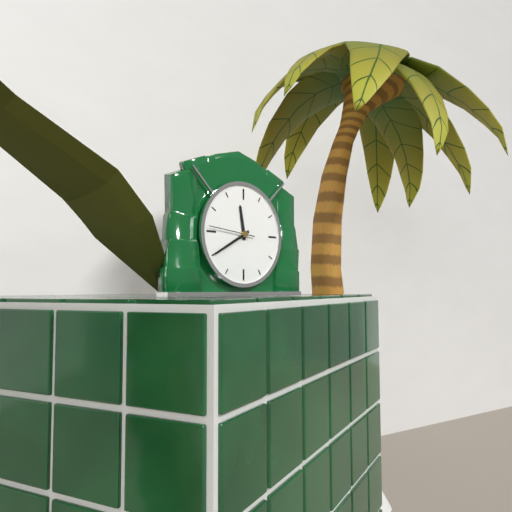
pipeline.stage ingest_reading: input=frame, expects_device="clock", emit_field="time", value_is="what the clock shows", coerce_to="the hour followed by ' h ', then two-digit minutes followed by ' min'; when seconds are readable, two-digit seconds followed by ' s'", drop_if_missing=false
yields 11 h 40 min
